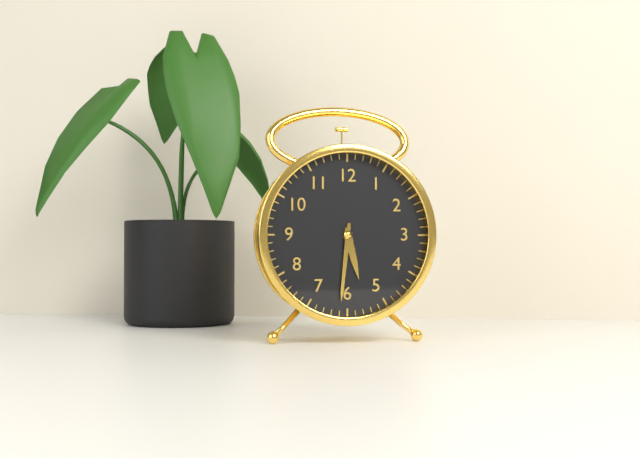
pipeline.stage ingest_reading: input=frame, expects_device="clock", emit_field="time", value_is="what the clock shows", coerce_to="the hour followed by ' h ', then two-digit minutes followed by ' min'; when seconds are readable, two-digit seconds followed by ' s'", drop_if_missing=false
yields 5 h 31 min
